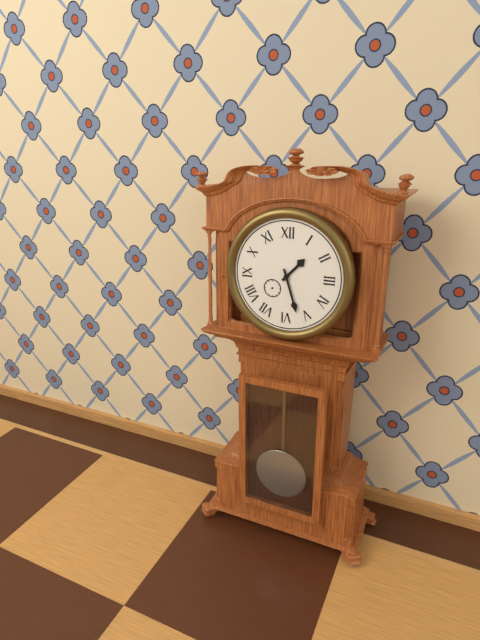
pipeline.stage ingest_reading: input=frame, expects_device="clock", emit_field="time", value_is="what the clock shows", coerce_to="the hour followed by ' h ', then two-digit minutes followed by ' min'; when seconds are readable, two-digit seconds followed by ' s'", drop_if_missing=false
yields 1 h 27 min
